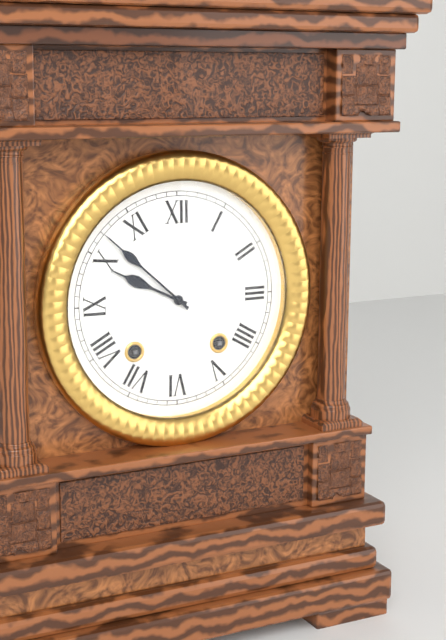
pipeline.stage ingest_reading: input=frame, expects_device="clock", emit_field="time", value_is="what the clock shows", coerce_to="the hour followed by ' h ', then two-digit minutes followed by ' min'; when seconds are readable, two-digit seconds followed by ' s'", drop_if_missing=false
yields 9 h 52 min
